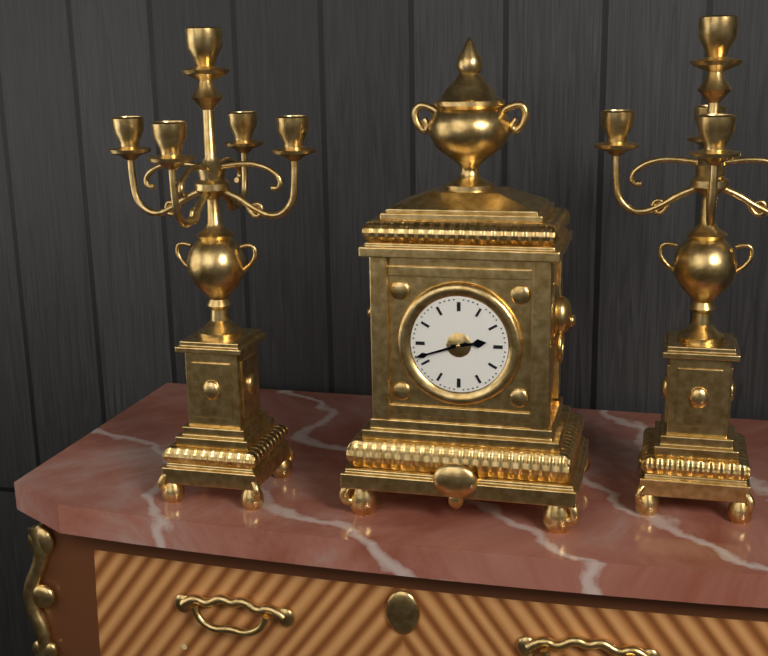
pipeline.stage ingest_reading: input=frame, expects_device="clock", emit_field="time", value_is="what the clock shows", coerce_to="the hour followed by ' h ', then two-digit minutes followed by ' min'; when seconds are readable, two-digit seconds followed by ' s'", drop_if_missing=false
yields 2 h 42 min
